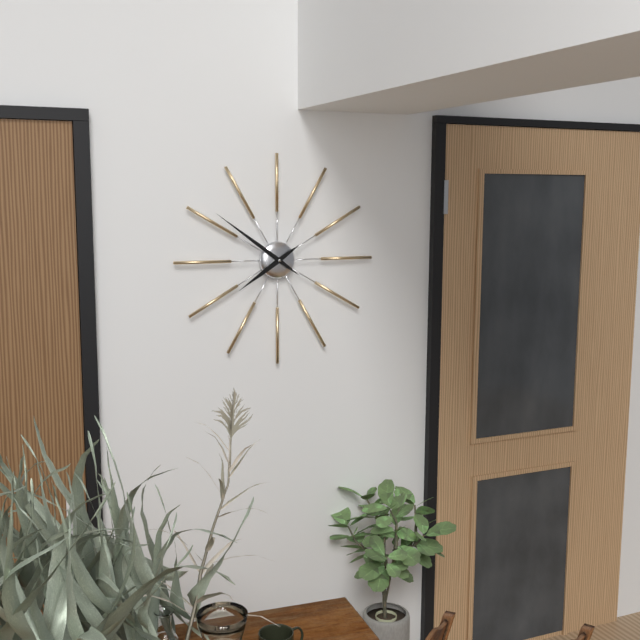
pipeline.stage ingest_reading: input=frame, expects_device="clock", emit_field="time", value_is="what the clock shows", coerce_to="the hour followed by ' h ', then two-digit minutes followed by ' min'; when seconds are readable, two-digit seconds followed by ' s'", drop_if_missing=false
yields 7 h 51 min
